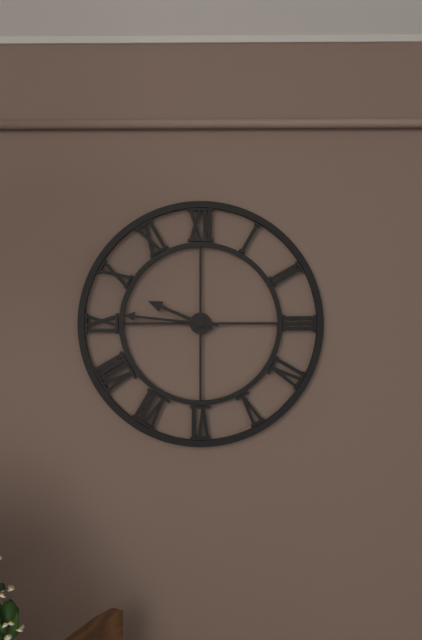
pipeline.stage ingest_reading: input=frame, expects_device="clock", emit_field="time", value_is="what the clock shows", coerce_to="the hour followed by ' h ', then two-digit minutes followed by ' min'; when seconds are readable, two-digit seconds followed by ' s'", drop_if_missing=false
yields 9 h 46 min
